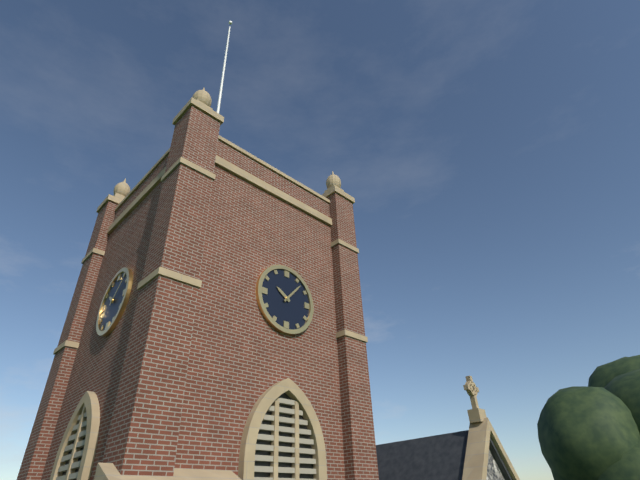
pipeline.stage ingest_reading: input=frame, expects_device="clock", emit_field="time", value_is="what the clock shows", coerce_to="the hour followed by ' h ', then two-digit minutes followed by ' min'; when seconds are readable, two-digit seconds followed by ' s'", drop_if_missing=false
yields 10 h 07 min
